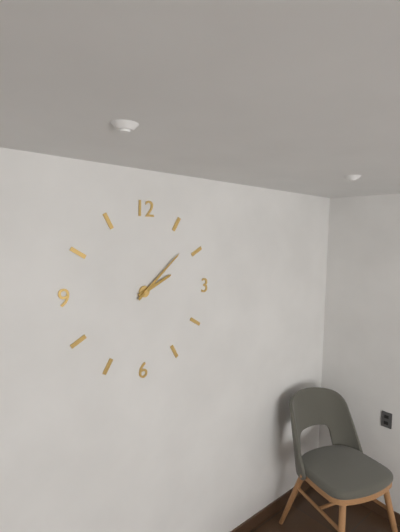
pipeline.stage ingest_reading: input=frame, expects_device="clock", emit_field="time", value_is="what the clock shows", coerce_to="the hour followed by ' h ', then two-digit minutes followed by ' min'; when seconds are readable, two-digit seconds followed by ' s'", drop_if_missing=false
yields 2 h 08 min
